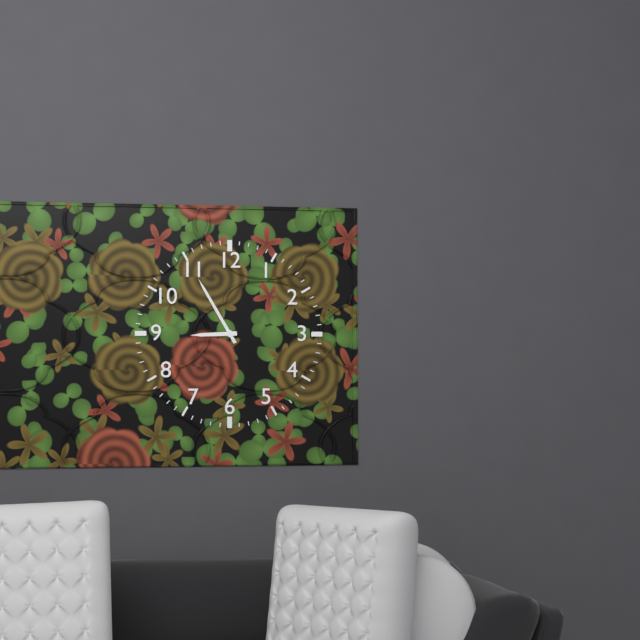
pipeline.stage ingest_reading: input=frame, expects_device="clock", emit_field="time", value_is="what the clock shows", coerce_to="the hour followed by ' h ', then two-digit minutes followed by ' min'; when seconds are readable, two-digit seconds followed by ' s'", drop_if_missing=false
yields 8 h 55 min
